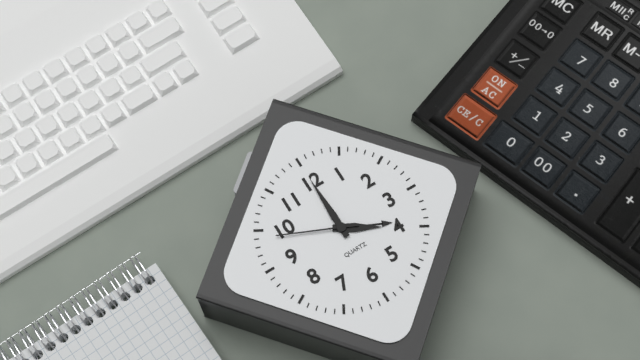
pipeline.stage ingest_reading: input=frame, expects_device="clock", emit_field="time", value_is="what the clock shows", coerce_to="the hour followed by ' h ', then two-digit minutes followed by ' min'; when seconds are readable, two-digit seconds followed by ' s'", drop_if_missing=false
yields 4 h 00 min 49 s
